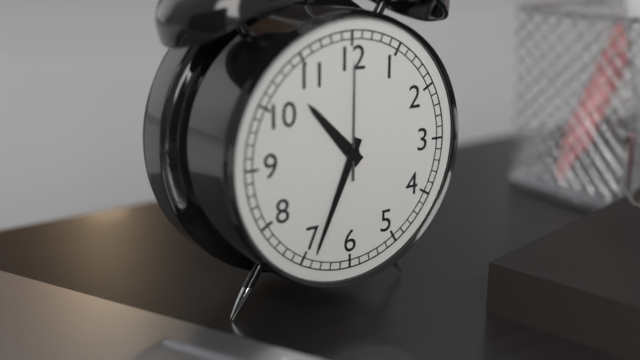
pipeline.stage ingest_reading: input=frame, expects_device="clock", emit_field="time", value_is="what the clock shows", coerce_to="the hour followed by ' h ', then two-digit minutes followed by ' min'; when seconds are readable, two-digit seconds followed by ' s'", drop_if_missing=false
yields 10 h 34 min 00 s
